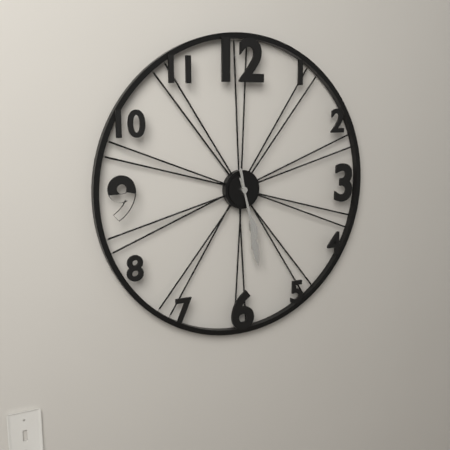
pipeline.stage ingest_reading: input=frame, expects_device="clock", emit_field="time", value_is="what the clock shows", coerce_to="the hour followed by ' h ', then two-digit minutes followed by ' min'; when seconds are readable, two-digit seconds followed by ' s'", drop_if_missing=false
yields 5 h 28 min
